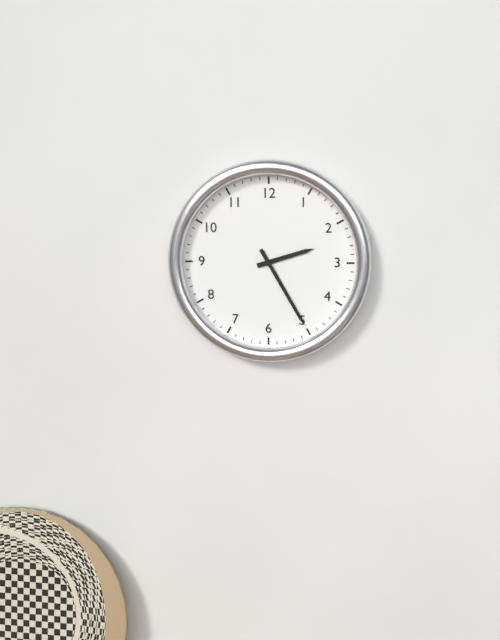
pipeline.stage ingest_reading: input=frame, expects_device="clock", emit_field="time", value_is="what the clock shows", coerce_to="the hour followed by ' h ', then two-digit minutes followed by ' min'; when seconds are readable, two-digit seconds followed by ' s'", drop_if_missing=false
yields 2 h 25 min
